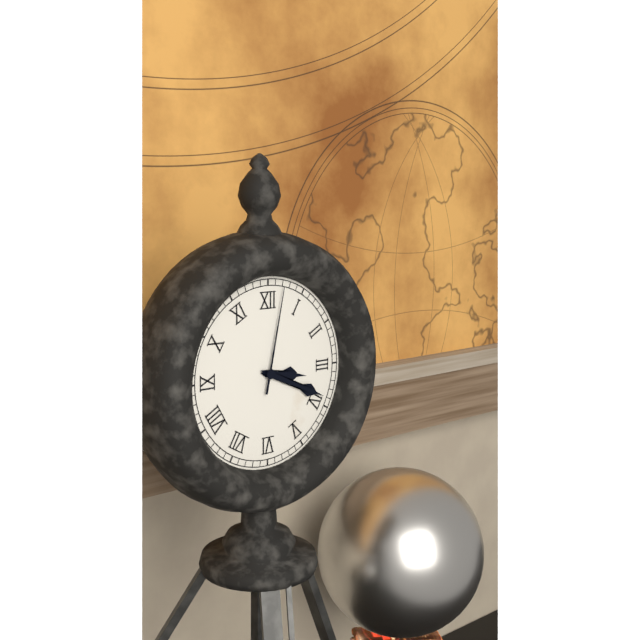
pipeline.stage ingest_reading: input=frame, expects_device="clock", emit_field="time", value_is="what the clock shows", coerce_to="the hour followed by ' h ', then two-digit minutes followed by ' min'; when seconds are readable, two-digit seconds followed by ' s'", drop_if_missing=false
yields 3 h 19 min 02 s
